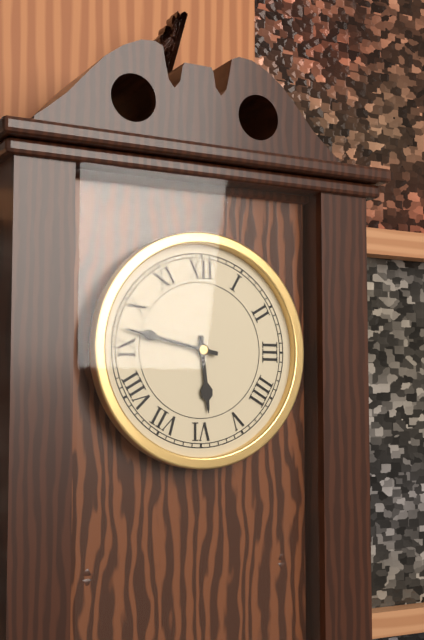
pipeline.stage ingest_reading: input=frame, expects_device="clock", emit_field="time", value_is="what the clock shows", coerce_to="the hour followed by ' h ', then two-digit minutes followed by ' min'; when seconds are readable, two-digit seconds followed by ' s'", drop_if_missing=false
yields 5 h 47 min
